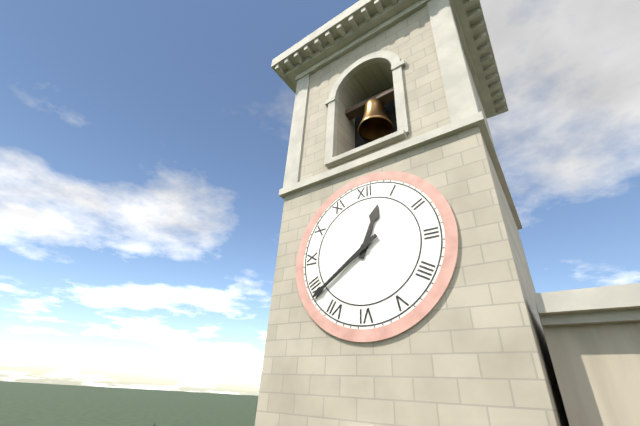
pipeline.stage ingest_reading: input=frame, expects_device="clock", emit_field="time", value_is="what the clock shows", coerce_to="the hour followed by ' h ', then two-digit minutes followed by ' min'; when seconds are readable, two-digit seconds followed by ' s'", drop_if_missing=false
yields 12 h 39 min
